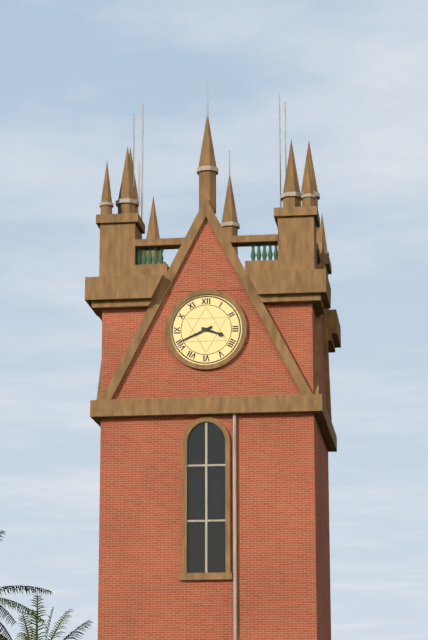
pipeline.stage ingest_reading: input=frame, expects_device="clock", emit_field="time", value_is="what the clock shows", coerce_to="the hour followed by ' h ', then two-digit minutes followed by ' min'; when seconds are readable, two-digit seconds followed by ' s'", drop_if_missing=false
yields 3 h 41 min
